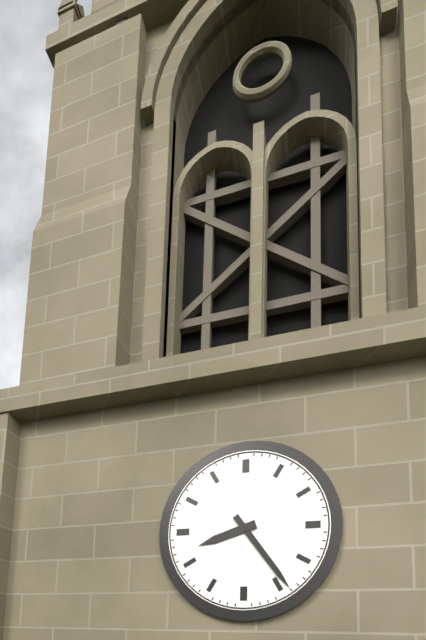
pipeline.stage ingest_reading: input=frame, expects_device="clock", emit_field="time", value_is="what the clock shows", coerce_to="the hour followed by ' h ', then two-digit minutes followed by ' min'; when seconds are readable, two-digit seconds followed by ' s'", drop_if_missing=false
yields 8 h 24 min
